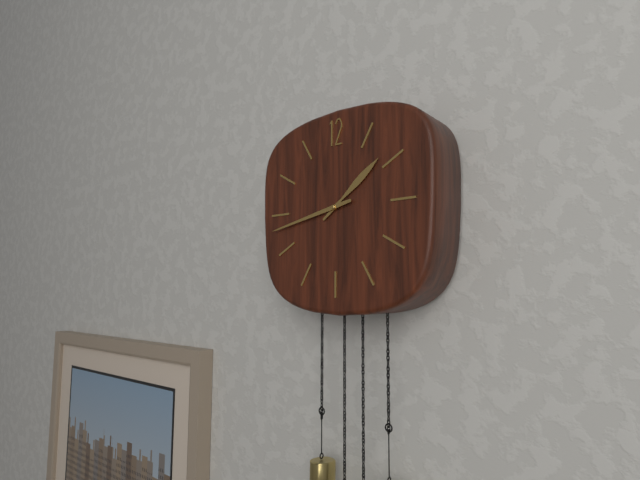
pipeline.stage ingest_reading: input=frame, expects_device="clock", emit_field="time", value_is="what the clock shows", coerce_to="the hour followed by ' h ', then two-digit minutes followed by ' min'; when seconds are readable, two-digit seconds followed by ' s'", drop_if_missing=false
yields 1 h 43 min
